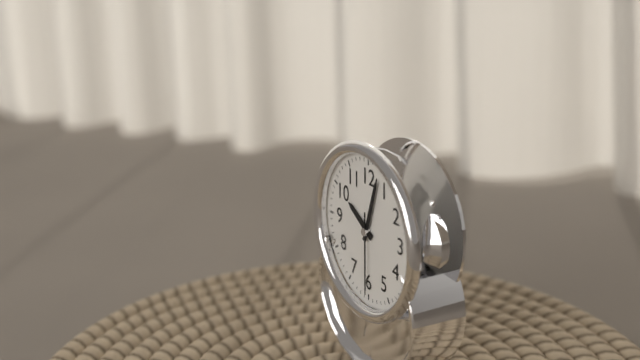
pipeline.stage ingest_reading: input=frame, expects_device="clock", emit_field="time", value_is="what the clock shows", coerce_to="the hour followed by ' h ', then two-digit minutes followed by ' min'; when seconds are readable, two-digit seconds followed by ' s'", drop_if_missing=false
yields 10 h 03 min 30 s
